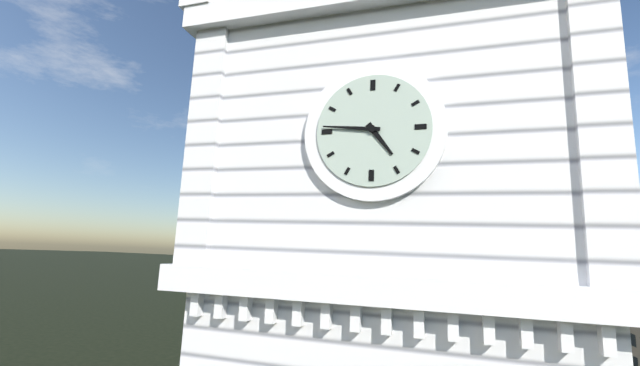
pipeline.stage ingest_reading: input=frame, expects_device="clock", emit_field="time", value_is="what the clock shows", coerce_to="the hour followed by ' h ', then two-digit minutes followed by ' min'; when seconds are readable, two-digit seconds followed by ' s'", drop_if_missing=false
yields 4 h 46 min
